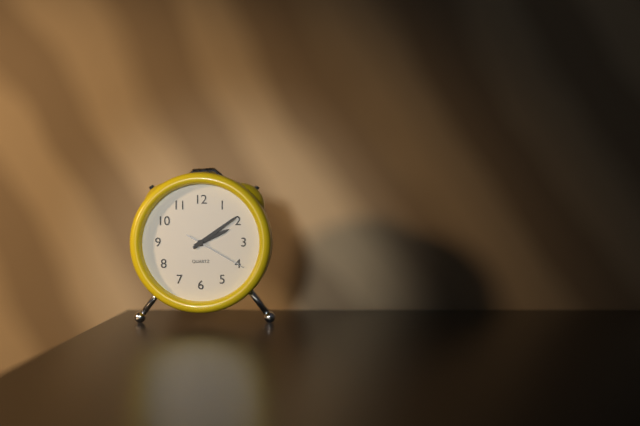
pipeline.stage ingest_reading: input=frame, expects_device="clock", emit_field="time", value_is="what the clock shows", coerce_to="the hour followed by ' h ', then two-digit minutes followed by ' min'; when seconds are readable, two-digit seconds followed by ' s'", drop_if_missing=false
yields 2 h 09 min 20 s
